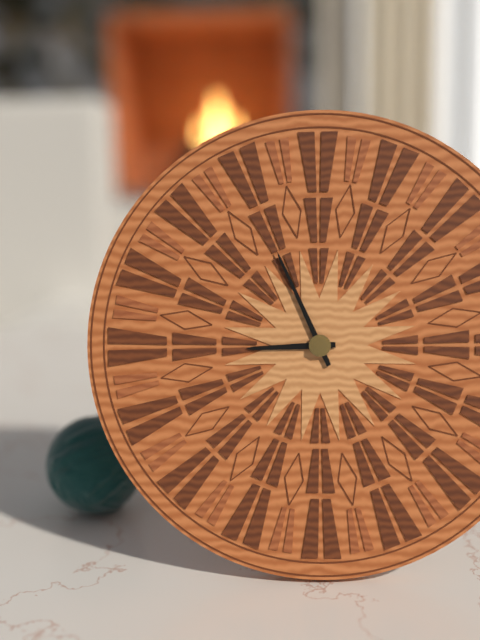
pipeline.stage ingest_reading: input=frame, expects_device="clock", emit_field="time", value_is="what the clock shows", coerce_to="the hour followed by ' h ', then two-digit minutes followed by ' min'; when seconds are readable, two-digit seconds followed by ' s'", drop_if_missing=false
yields 8 h 56 min
